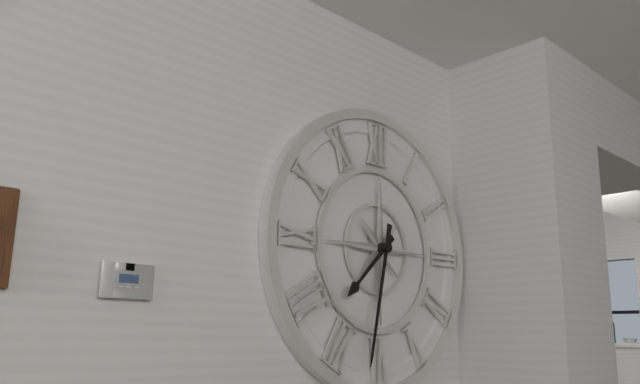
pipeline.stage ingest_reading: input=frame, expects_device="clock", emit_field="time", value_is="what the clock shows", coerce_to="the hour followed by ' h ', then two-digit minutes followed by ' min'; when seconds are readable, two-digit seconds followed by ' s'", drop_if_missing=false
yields 7 h 32 min
